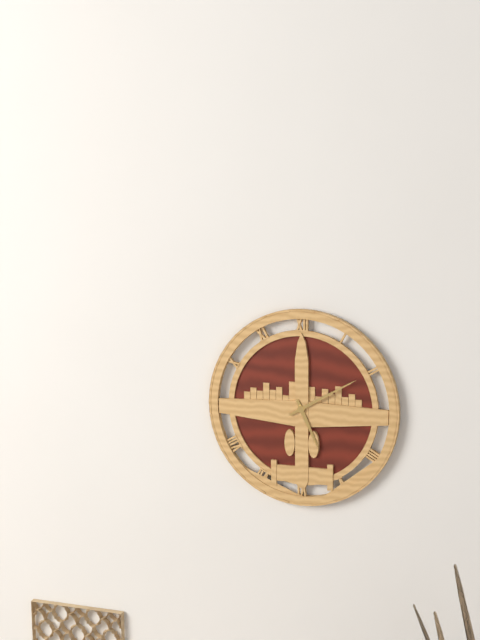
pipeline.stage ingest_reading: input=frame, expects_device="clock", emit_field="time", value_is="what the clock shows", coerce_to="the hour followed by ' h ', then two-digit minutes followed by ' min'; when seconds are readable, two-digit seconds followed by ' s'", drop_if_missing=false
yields 5 h 10 min
